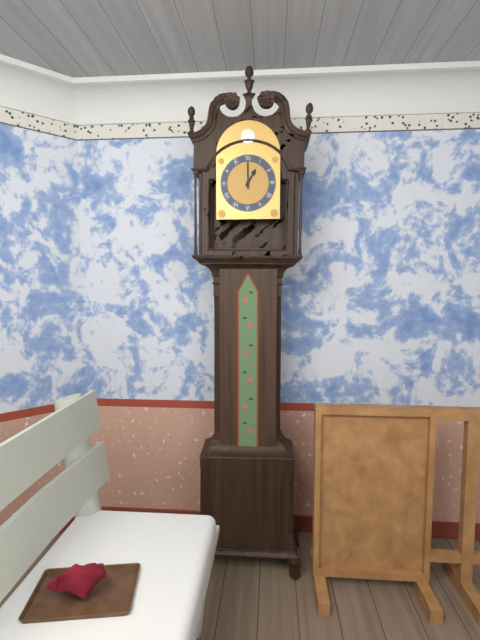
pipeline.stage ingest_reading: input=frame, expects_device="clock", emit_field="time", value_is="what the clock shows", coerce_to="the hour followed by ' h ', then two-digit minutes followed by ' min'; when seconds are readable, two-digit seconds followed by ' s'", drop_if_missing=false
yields 1 h 00 min
